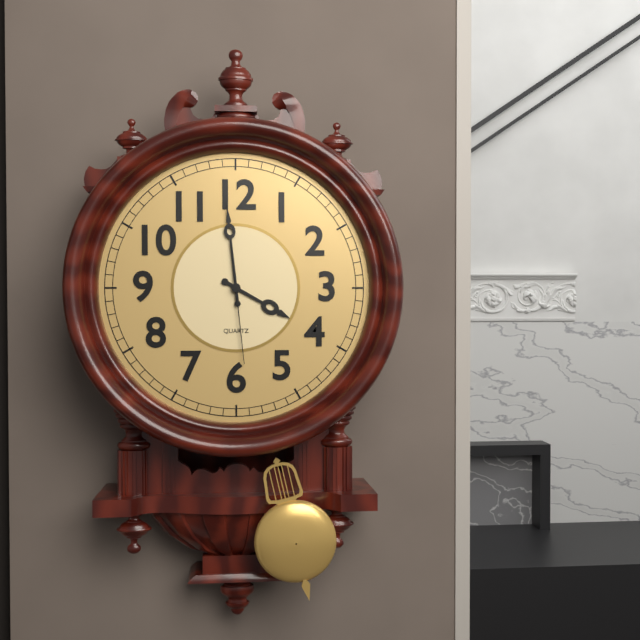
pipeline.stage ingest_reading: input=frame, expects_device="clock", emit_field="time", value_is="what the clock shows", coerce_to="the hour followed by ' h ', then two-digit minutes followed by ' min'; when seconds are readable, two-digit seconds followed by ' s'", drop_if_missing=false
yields 3 h 59 min 29 s
